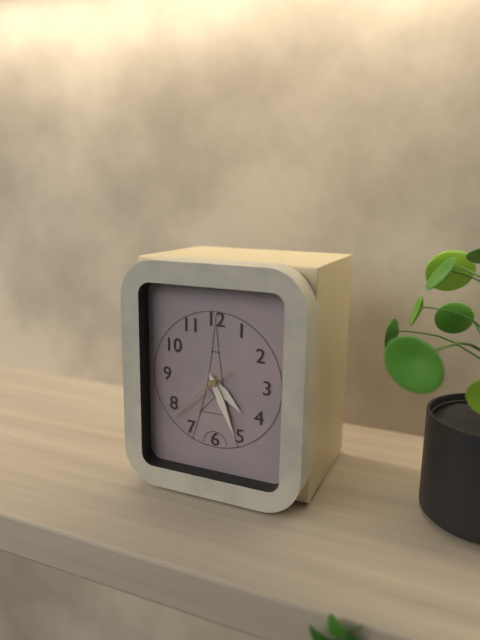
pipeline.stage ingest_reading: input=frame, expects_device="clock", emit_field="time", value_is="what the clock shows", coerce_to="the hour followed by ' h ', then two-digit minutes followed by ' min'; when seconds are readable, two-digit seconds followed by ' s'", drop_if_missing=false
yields 4 h 26 min 38 s
